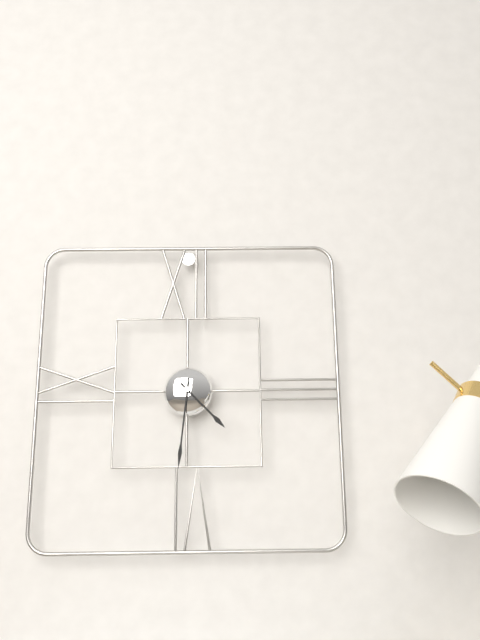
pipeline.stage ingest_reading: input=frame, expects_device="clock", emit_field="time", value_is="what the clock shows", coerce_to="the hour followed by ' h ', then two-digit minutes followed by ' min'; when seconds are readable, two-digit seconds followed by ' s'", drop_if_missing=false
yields 4 h 31 min
